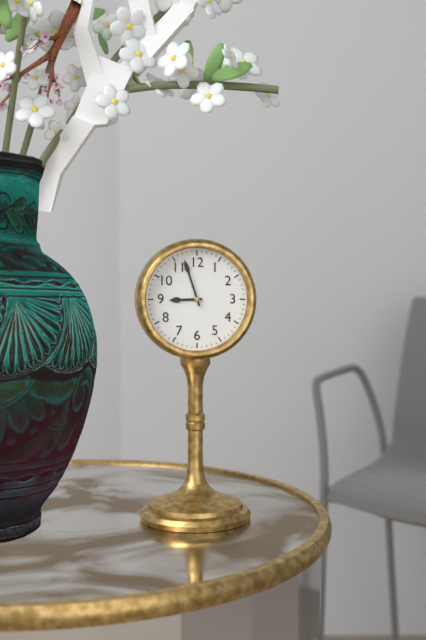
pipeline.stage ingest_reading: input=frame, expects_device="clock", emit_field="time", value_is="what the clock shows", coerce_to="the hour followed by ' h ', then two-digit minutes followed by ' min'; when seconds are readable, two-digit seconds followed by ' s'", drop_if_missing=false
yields 8 h 57 min
